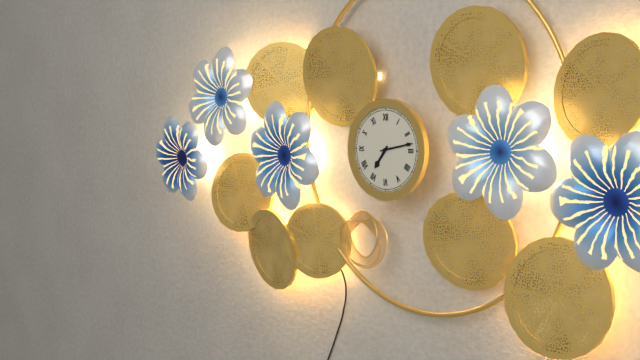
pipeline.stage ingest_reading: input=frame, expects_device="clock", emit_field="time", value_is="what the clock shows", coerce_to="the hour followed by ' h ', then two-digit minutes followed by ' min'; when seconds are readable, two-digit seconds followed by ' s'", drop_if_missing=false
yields 7 h 13 min
